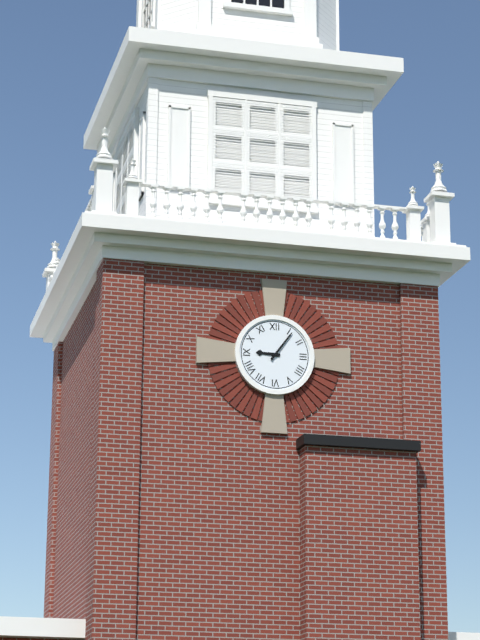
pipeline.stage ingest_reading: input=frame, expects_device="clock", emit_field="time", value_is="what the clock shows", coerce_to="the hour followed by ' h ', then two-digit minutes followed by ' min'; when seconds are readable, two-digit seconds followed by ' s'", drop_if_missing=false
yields 9 h 06 min
